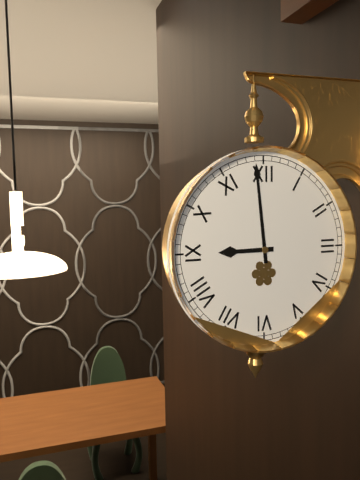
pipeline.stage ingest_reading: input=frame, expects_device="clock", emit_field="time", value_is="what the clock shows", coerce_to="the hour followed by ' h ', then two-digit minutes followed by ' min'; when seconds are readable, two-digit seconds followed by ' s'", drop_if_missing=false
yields 8 h 59 min
